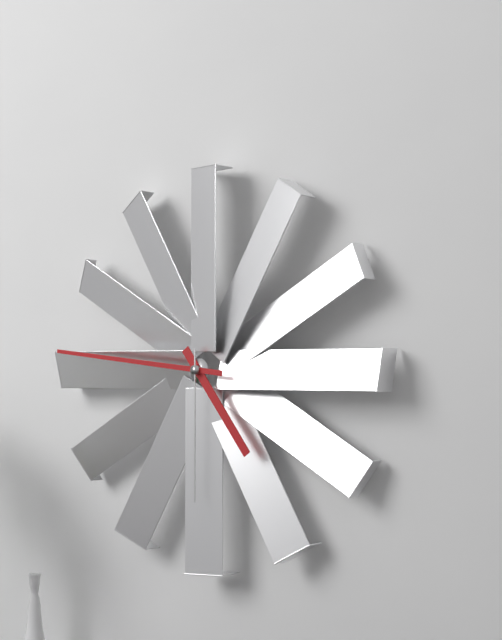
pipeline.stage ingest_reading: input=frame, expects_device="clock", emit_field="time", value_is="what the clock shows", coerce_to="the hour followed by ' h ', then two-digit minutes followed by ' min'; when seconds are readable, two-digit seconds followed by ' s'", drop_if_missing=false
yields 4 h 46 min 30 s
